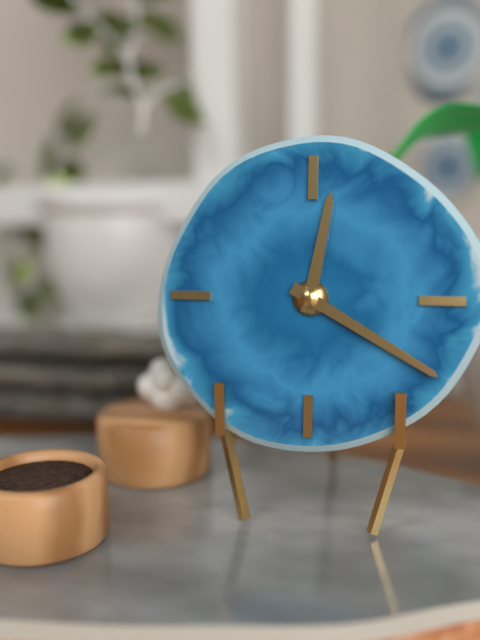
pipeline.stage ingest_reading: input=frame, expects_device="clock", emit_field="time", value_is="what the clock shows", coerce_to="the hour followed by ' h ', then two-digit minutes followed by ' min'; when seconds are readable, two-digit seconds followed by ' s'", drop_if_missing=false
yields 12 h 20 min
